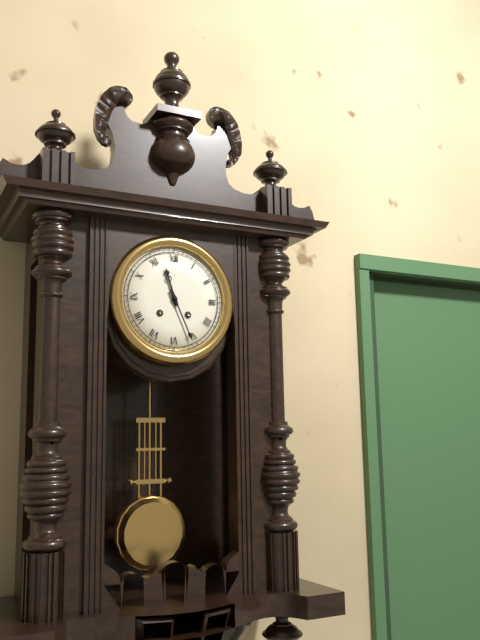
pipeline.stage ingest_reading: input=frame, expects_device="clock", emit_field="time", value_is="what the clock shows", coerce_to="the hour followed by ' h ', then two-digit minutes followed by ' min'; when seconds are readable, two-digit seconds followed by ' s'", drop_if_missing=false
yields 11 h 26 min
